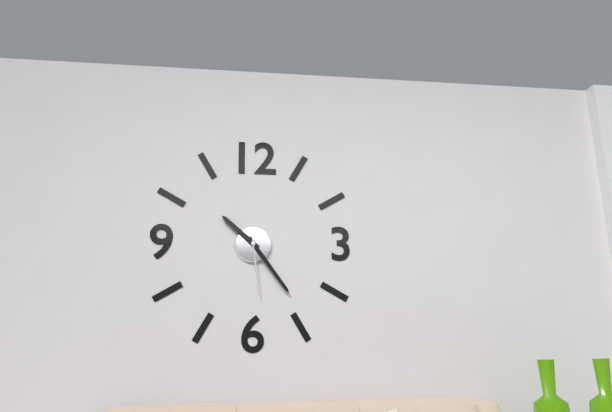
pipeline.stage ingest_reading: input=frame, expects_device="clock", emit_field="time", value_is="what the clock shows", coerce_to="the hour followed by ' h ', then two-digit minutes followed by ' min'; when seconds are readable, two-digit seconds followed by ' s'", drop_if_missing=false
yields 10 h 24 min 29 s
